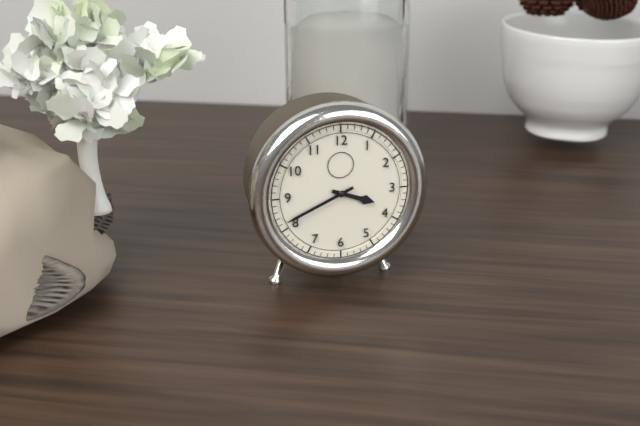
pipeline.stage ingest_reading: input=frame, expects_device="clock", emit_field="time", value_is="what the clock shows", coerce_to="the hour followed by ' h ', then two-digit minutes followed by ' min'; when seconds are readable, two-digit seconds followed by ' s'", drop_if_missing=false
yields 3 h 41 min
